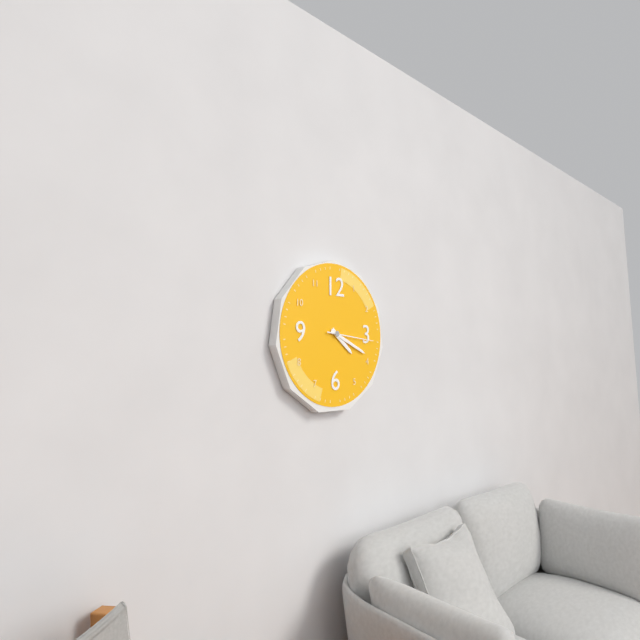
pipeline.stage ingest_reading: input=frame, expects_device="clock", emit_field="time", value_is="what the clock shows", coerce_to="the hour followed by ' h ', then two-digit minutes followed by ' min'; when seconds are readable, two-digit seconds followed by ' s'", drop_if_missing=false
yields 4 h 19 min
